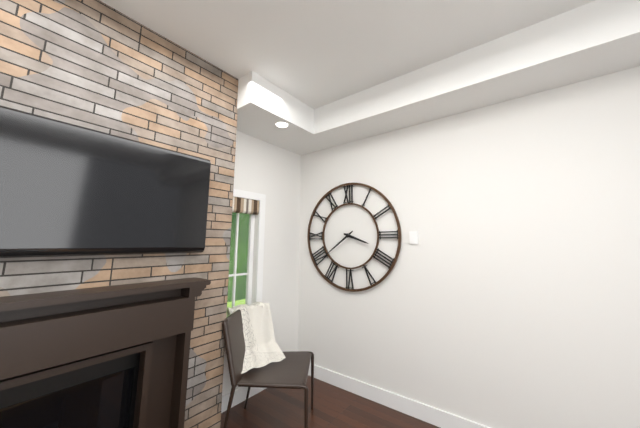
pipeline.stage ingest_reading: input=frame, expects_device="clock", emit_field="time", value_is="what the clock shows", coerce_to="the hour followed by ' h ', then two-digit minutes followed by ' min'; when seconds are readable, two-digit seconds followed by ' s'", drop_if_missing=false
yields 3 h 39 min
